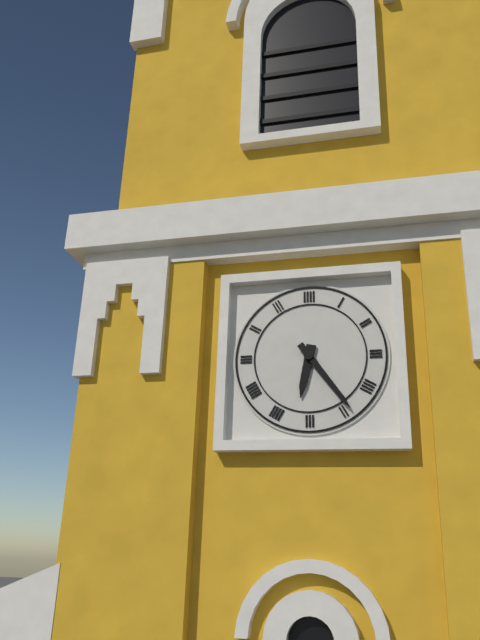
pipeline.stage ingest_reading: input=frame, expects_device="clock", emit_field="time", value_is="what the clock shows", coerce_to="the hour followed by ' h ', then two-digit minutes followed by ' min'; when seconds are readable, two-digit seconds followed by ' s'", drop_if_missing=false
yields 6 h 24 min
